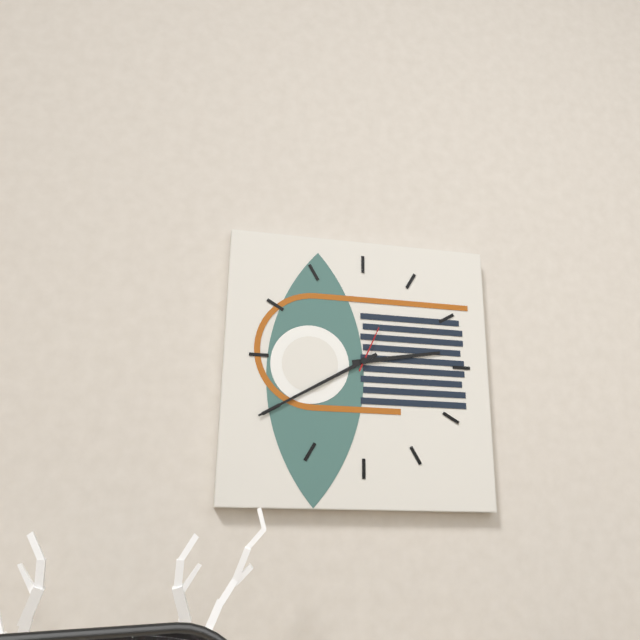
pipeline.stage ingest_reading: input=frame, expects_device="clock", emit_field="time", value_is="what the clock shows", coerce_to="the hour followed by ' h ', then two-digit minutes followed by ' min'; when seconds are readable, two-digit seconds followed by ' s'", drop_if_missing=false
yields 2 h 40 min
